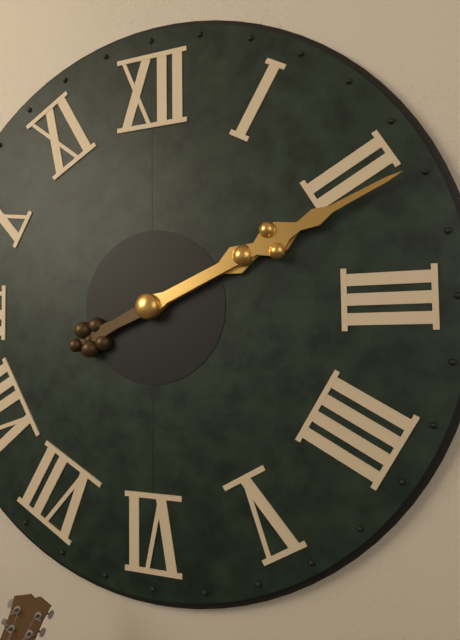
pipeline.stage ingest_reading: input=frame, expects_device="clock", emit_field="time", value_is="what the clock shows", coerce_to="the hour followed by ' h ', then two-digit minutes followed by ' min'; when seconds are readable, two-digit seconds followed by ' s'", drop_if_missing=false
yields 2 h 11 min
